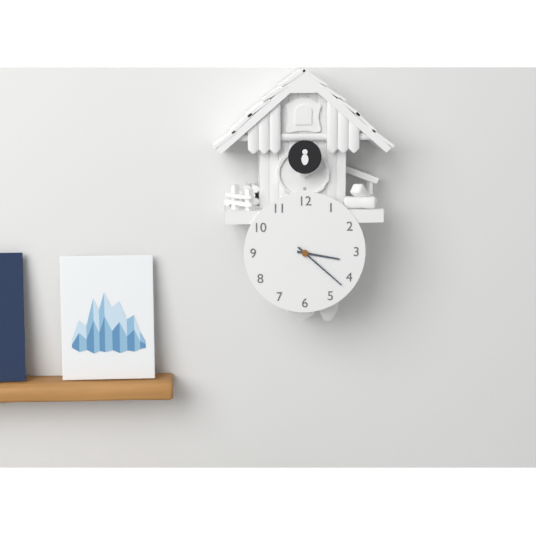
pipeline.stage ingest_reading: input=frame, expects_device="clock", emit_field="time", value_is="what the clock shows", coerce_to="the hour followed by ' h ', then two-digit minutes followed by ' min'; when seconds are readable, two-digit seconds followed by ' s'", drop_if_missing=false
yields 3 h 22 min
